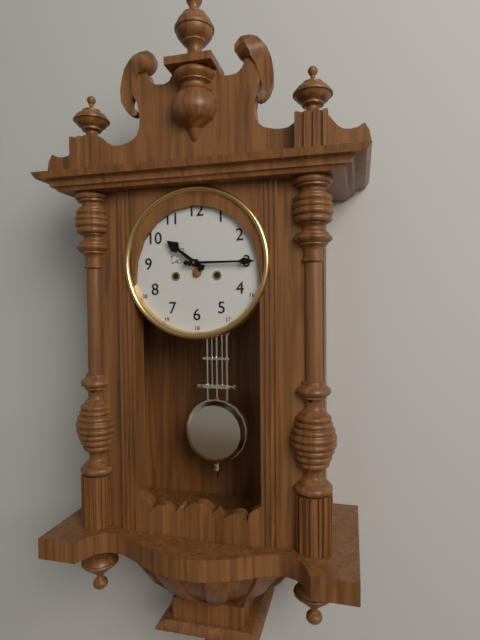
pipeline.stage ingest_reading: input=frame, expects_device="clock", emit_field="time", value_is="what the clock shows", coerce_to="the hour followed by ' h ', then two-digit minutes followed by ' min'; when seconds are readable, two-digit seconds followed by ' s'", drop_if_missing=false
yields 10 h 15 min
